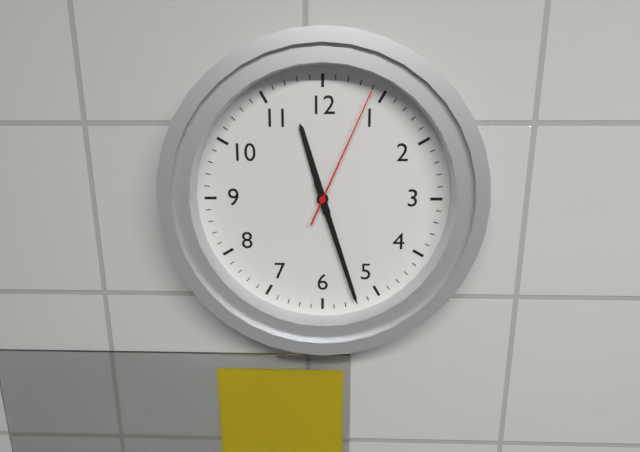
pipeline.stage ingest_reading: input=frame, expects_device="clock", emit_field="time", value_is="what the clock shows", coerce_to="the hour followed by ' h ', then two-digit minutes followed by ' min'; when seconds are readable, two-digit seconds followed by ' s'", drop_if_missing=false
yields 11 h 27 min 04 s
